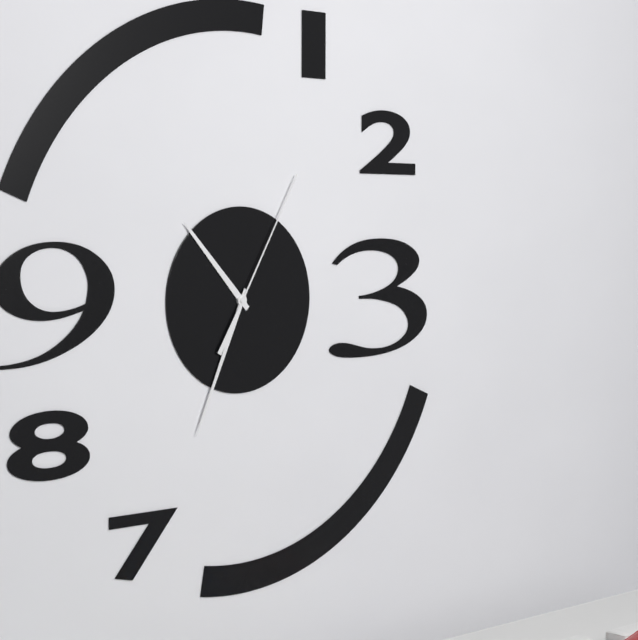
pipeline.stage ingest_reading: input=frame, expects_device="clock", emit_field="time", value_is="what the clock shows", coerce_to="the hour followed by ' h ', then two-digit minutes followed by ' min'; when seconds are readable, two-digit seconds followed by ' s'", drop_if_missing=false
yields 10 h 34 min 05 s
